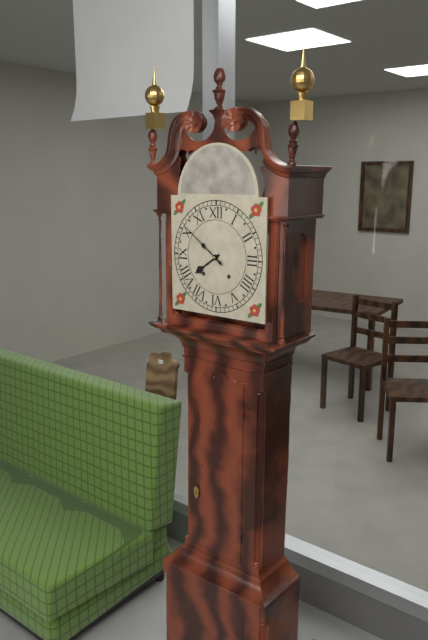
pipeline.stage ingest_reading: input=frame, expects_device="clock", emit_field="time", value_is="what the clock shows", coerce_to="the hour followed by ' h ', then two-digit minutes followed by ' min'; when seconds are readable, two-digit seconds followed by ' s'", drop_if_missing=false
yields 7 h 51 min
